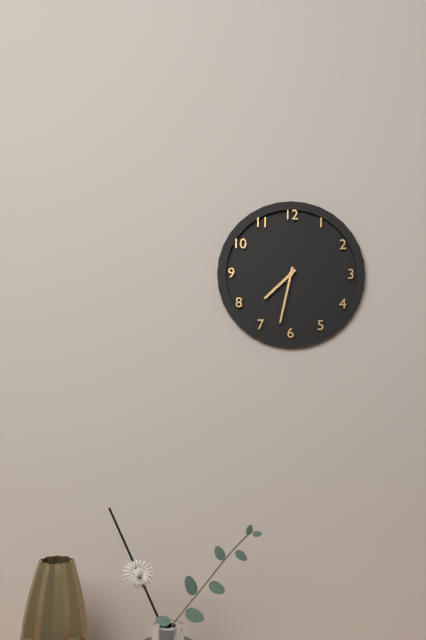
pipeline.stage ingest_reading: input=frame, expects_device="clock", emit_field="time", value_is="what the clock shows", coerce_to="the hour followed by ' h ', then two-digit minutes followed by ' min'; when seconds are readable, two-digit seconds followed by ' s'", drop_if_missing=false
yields 7 h 32 min
